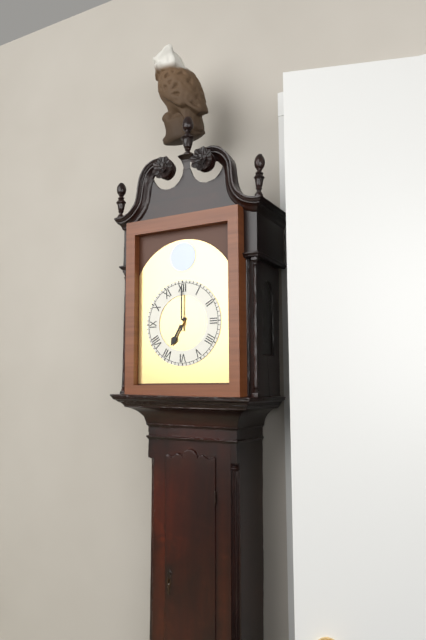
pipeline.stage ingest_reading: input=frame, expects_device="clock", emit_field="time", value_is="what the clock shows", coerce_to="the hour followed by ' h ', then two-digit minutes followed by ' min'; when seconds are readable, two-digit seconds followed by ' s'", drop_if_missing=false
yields 7 h 00 min
